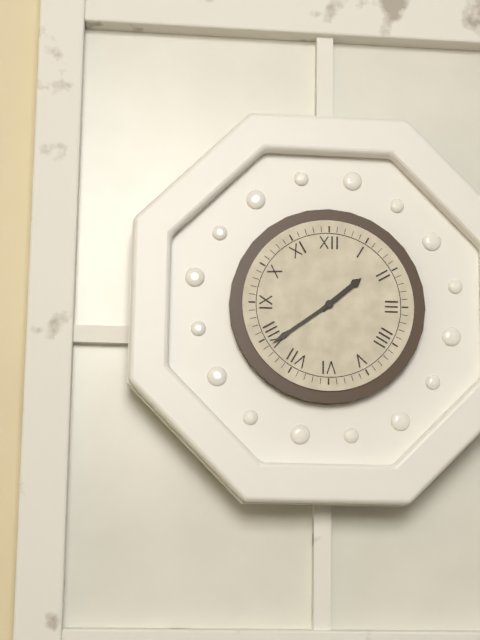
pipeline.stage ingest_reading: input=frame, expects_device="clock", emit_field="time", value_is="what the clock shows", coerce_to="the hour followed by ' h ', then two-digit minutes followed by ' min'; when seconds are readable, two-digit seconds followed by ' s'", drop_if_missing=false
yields 1 h 39 min
